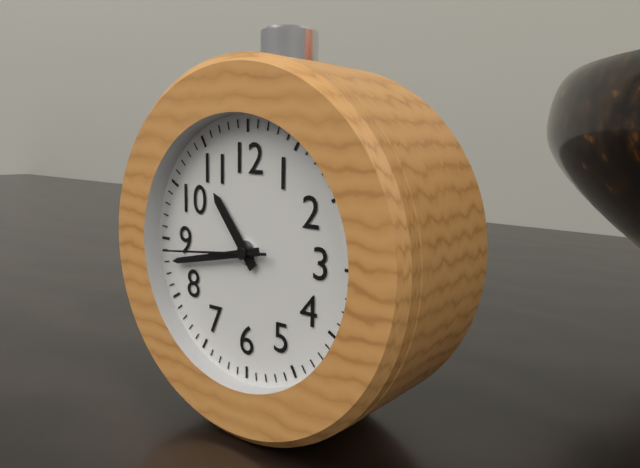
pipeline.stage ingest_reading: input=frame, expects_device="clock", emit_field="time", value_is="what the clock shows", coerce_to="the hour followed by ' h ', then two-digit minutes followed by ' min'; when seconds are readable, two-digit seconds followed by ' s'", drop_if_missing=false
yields 10 h 43 min 44 s
